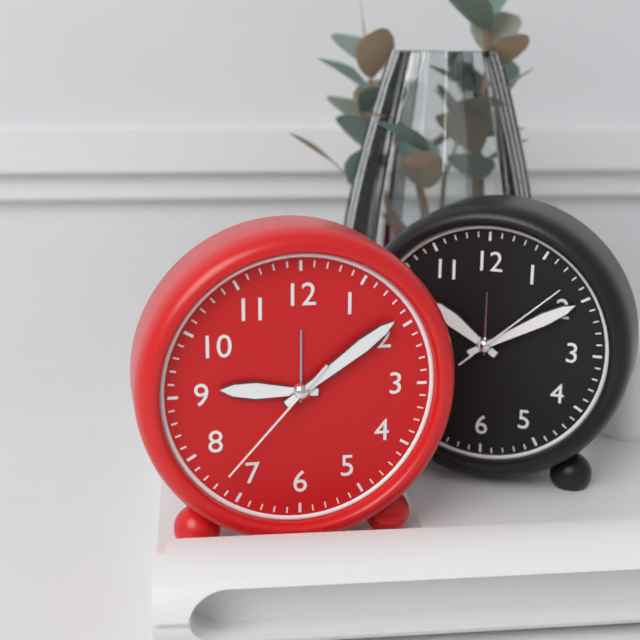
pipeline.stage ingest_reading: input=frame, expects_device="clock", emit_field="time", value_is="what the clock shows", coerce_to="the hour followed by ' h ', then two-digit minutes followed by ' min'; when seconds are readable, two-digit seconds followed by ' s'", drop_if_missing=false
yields 9 h 09 min 37 s
